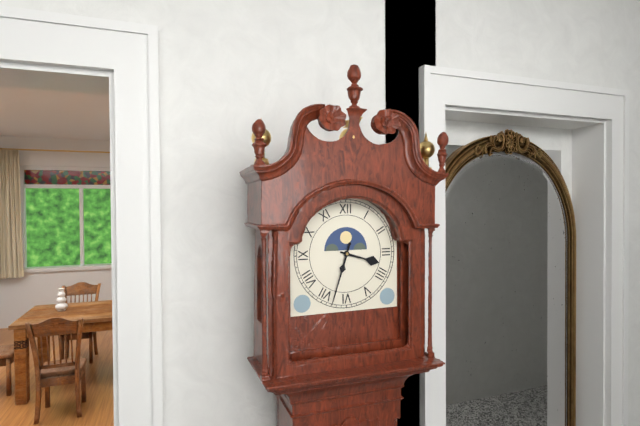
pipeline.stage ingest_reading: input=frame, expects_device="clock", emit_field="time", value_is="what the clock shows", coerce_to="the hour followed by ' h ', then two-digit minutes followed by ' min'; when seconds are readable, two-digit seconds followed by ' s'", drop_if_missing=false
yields 3 h 33 min
